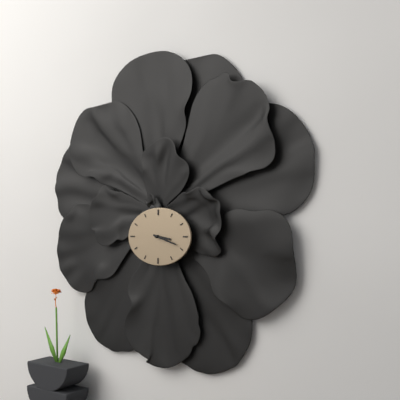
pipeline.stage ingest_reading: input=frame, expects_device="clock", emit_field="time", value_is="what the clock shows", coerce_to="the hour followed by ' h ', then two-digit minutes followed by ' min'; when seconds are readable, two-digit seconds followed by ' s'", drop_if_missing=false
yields 3 h 18 min
